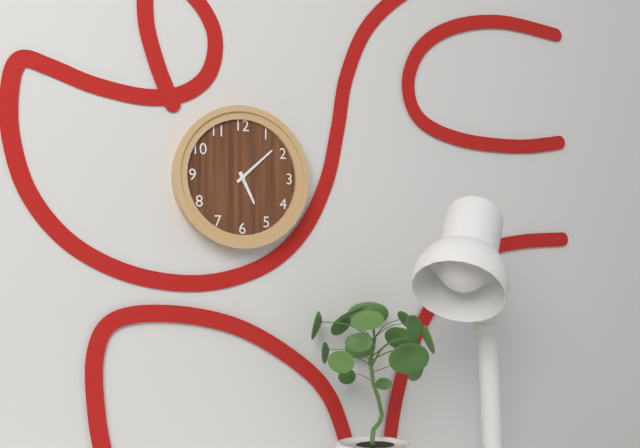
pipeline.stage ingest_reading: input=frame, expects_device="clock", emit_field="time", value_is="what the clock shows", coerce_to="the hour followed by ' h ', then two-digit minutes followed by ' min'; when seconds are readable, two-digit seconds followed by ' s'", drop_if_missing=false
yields 5 h 08 min
